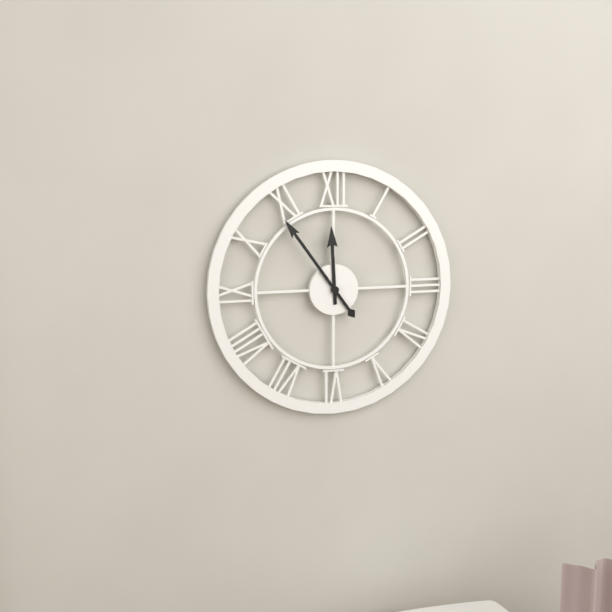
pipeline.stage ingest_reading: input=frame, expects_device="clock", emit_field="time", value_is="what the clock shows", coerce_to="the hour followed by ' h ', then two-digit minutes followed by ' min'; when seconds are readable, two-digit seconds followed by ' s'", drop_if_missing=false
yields 11 h 54 min
